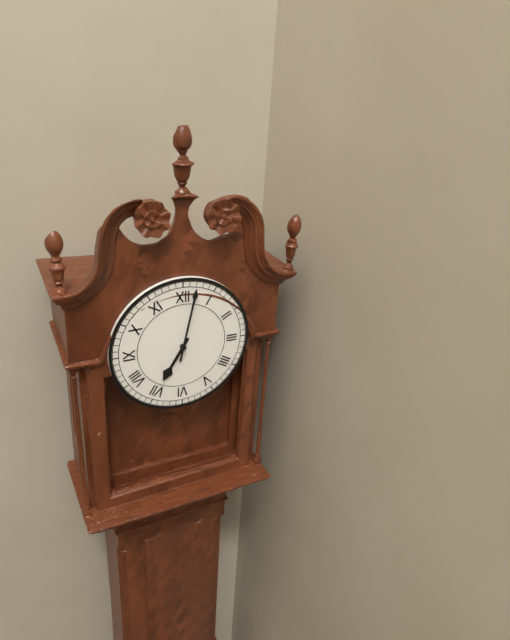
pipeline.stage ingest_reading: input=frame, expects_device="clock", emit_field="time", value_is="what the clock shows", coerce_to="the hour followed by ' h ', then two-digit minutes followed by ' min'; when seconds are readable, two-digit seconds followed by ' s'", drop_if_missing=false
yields 7 h 02 min
